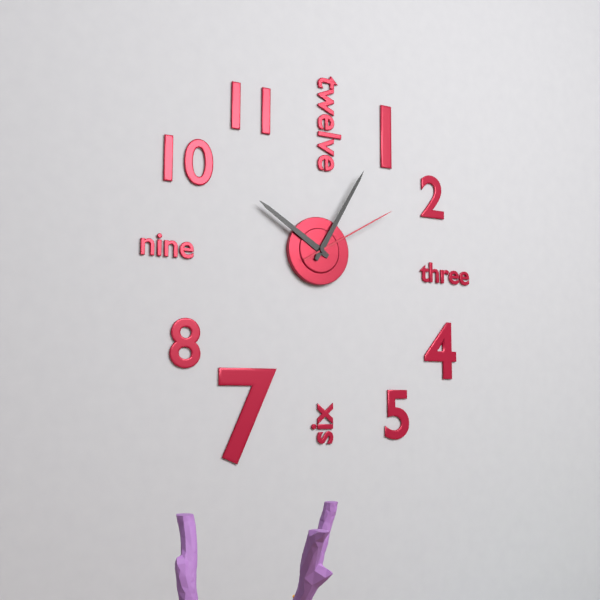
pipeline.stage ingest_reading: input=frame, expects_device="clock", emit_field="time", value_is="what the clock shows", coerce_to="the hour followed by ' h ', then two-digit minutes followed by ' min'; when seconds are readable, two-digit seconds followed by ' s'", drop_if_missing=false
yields 10 h 05 min 10 s
